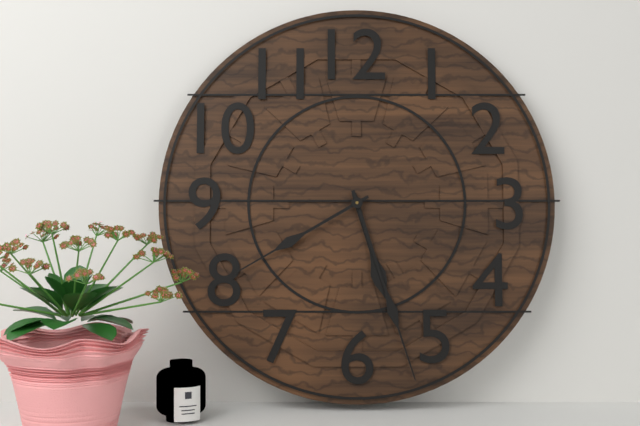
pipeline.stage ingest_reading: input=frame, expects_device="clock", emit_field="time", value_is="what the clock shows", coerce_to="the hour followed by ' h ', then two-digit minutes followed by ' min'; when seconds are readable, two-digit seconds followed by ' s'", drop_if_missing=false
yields 5 h 27 min 40 s
